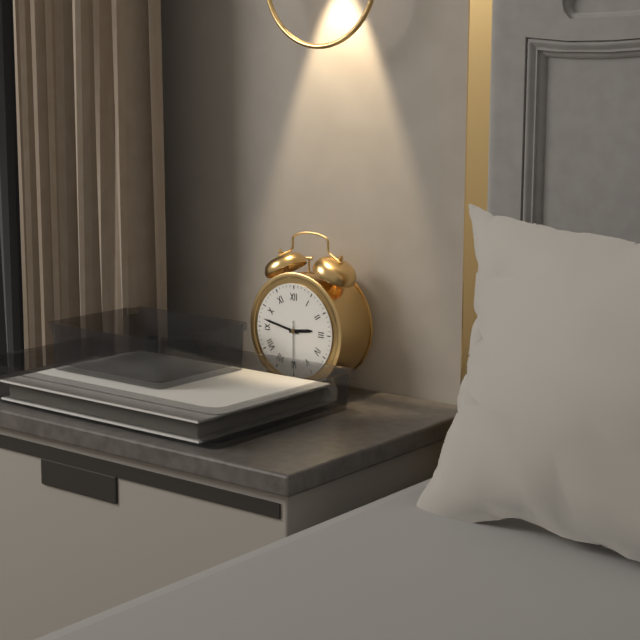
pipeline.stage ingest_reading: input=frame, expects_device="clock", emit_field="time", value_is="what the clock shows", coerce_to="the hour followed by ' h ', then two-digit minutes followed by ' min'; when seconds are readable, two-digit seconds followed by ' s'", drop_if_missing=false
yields 2 h 47 min
